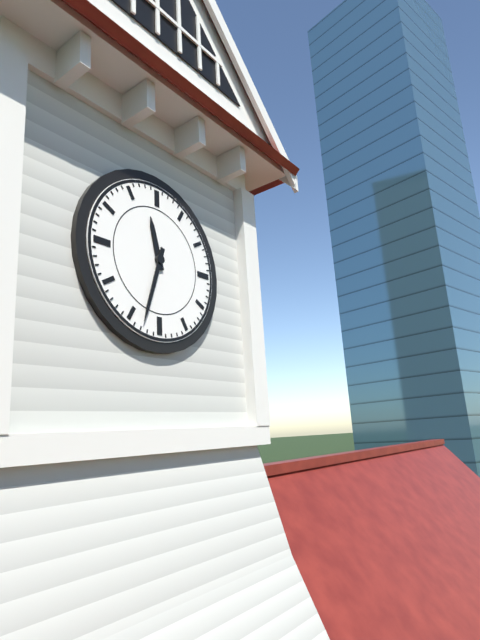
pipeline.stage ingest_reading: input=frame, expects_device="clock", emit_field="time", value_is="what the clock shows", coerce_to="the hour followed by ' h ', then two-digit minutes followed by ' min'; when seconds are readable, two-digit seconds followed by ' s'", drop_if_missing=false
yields 11 h 33 min
